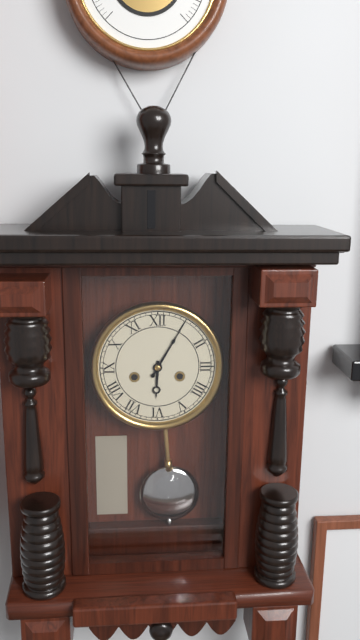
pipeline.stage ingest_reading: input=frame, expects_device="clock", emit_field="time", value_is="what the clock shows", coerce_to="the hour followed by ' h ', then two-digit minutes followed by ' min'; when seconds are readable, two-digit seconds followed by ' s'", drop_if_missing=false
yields 6 h 05 min
